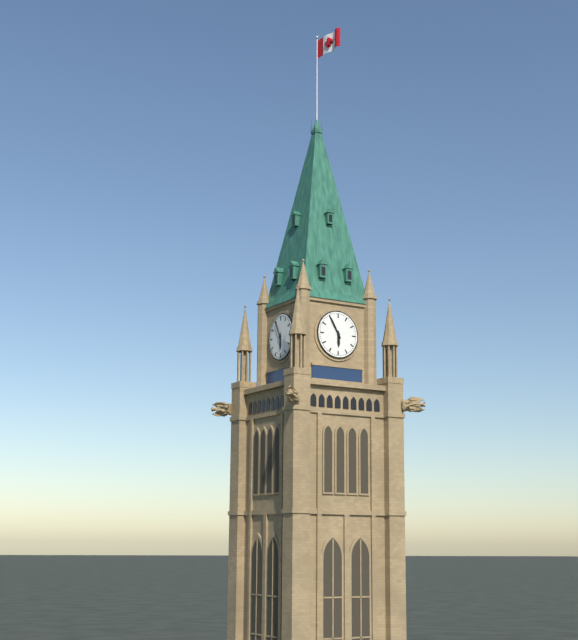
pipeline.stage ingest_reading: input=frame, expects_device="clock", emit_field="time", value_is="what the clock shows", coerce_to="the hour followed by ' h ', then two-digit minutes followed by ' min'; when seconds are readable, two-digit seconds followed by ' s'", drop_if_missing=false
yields 5 h 55 min
